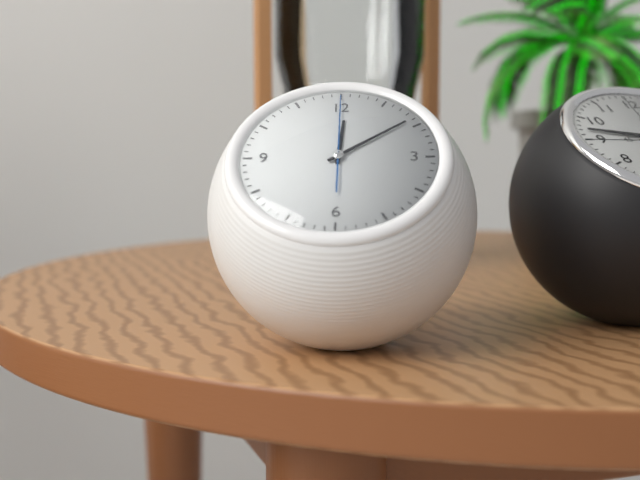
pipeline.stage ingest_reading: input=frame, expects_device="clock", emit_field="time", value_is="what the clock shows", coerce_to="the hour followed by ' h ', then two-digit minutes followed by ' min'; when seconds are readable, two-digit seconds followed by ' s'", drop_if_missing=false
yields 12 h 09 min 00 s
